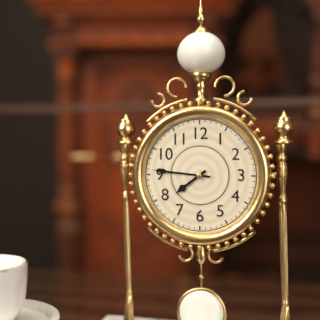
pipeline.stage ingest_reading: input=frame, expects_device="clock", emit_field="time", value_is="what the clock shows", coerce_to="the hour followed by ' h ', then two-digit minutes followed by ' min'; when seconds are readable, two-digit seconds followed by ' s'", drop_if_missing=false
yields 7 h 46 min
